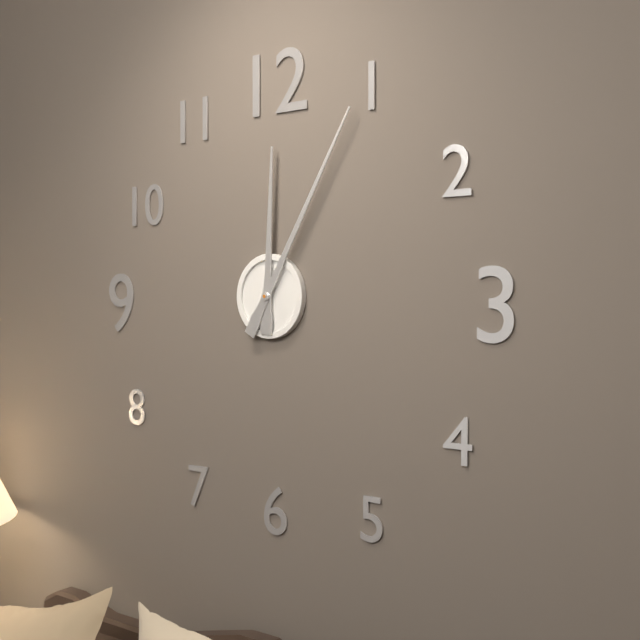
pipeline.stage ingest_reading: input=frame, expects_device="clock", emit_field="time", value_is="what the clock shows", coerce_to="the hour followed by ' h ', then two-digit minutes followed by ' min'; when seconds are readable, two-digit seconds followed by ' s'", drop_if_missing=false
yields 12 h 05 min
